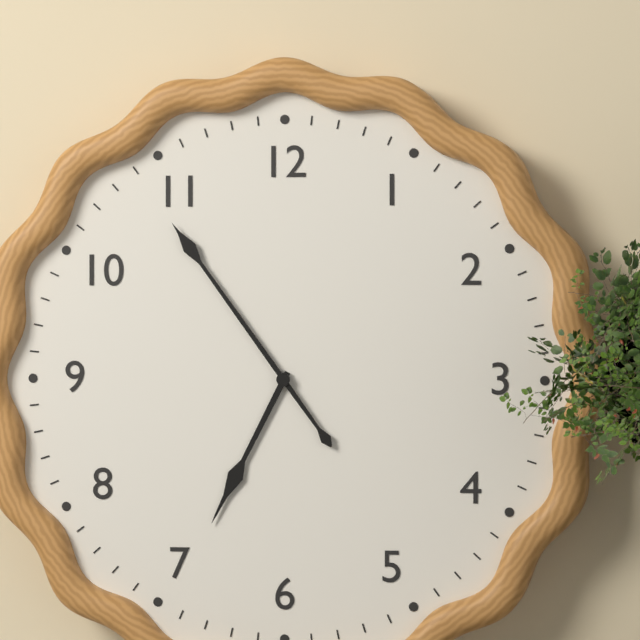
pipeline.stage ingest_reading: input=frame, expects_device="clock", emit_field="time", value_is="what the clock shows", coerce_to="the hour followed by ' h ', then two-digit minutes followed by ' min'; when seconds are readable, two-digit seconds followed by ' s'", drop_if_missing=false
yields 6 h 54 min
